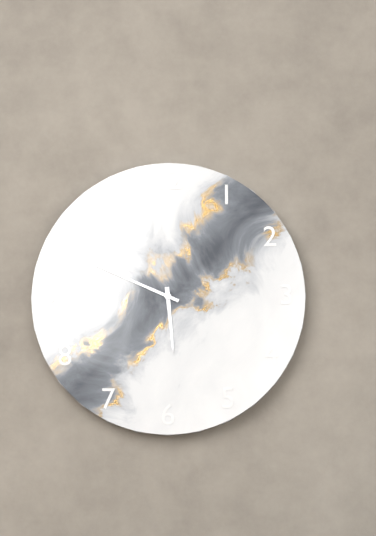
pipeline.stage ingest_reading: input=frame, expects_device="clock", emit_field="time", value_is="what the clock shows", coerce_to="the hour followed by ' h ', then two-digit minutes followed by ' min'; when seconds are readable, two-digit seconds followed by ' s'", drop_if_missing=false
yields 5 h 49 min
